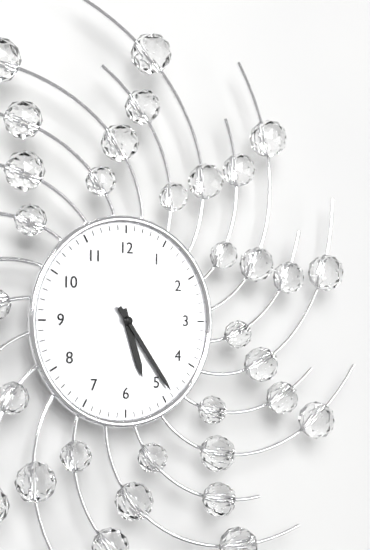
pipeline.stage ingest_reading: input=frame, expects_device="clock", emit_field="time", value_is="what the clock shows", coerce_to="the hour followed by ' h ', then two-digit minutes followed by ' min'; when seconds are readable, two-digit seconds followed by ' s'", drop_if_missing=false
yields 5 h 24 min
